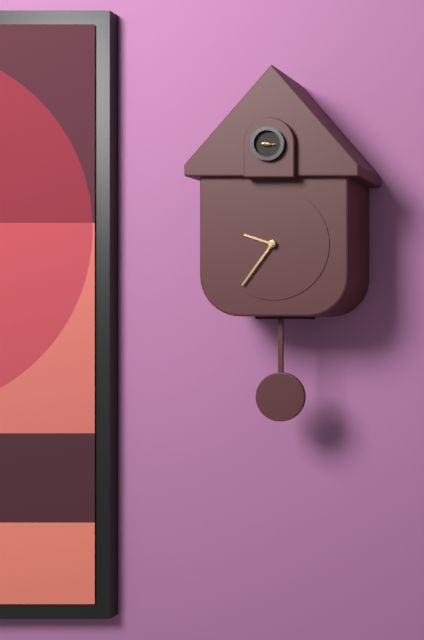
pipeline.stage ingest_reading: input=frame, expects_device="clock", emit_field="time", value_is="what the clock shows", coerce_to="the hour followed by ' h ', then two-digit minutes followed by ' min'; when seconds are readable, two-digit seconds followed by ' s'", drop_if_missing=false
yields 9 h 36 min
